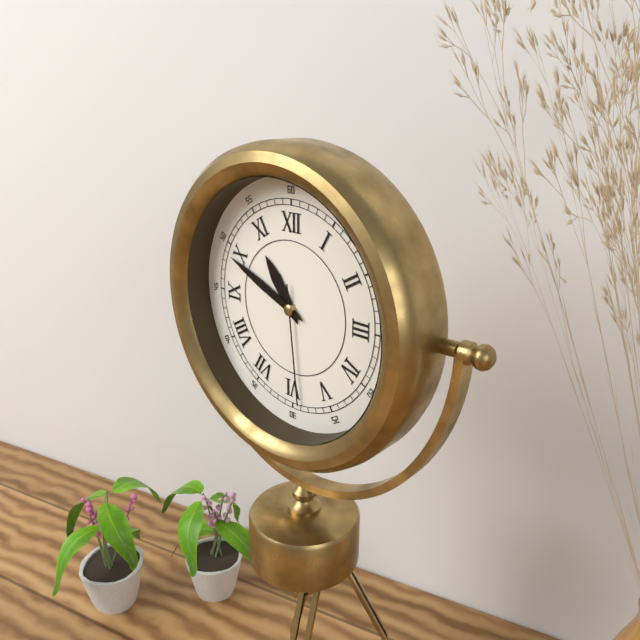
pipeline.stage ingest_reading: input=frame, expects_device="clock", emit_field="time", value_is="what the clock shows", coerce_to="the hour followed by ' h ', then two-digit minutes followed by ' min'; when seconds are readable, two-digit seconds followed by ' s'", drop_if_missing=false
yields 10 h 49 min 29 s
